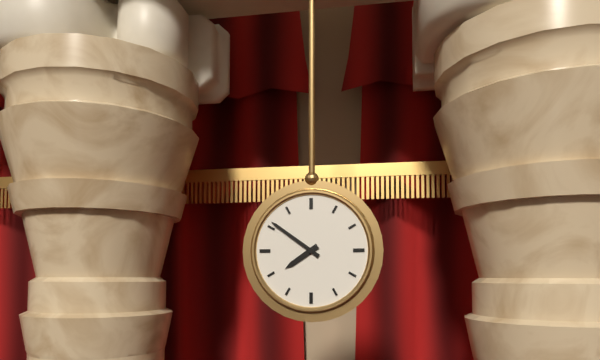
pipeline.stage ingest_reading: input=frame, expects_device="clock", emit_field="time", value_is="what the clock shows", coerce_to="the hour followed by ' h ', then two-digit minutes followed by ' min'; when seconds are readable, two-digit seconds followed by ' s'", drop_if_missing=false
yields 7 h 51 min
